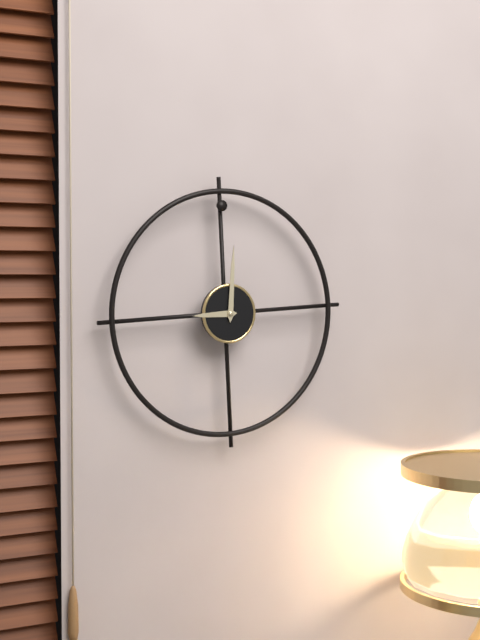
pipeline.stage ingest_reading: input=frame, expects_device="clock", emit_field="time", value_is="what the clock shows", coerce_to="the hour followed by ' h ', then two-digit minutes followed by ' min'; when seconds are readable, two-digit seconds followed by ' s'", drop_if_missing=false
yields 9 h 01 min
